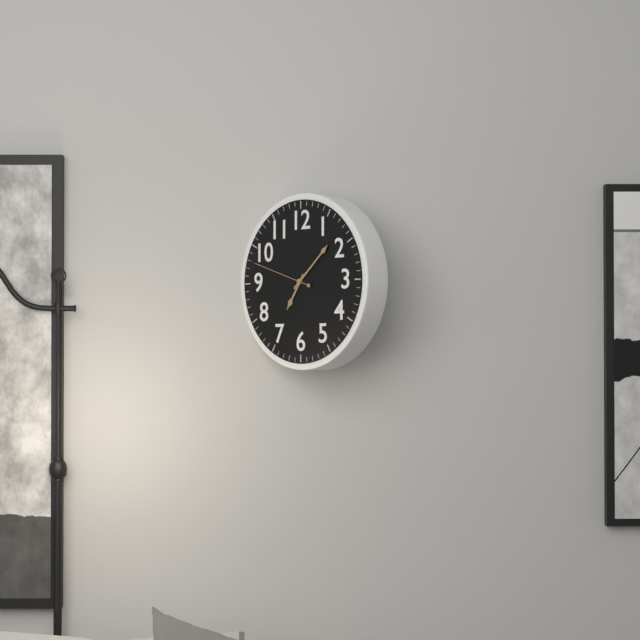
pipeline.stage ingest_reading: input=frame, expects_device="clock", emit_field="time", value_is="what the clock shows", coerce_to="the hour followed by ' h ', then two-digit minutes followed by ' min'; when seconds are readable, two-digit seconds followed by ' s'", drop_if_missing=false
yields 7 h 08 min 48 s
